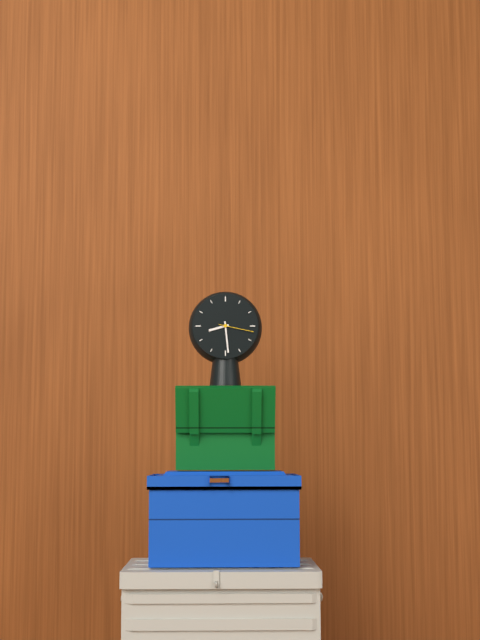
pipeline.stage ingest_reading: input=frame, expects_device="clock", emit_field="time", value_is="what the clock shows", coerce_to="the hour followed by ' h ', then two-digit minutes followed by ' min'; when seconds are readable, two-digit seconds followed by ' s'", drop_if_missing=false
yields 8 h 29 min
